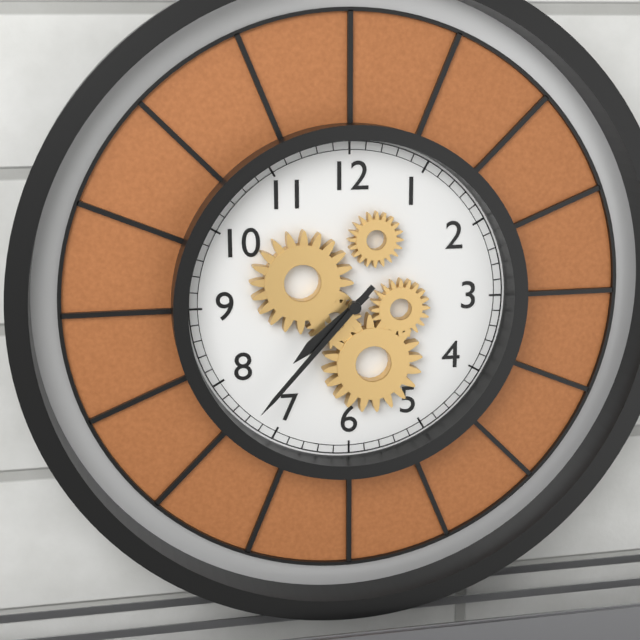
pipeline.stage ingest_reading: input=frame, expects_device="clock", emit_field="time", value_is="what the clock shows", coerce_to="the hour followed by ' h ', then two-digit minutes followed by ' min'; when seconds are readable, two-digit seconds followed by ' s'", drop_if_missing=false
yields 7 h 37 min
